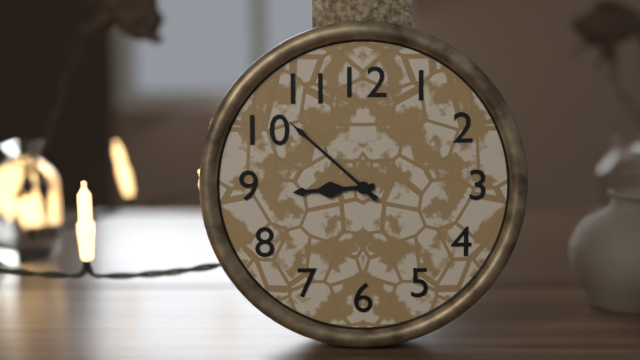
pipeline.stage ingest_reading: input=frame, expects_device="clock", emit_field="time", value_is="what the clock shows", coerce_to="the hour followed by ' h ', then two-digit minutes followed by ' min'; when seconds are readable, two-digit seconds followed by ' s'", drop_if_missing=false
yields 8 h 52 min
